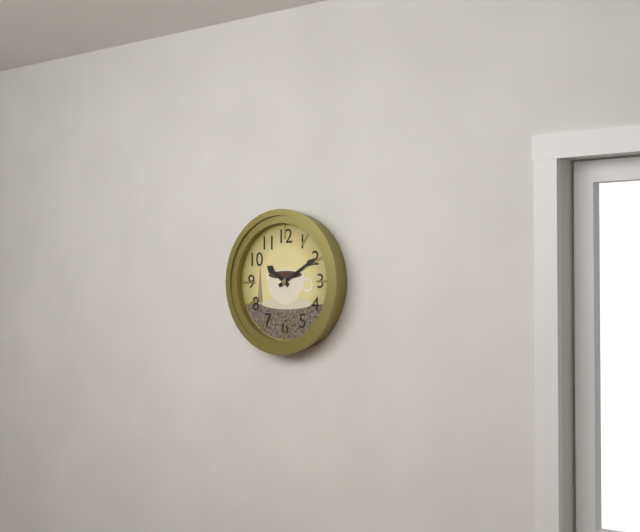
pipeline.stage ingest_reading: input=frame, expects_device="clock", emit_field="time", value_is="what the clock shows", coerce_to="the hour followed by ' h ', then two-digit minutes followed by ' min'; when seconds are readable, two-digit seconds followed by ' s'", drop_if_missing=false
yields 10 h 10 min
